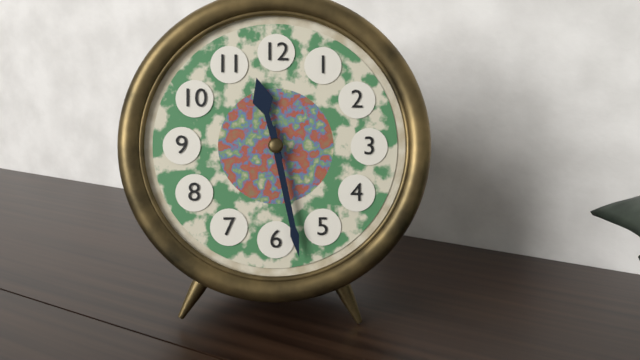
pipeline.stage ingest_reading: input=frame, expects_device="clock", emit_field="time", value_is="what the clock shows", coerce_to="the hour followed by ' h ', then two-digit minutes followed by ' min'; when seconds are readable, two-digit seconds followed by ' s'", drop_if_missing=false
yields 11 h 28 min
